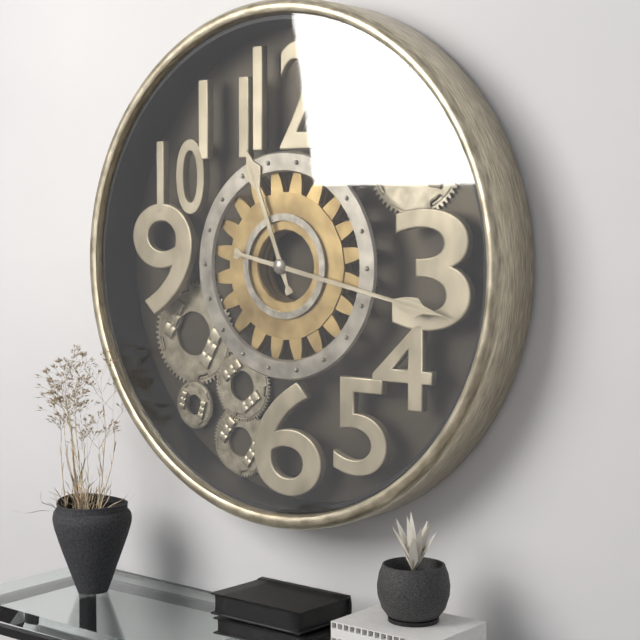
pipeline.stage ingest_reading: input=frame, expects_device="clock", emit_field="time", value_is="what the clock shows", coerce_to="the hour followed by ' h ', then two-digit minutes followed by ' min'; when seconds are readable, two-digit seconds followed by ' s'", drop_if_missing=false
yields 11 h 17 min
